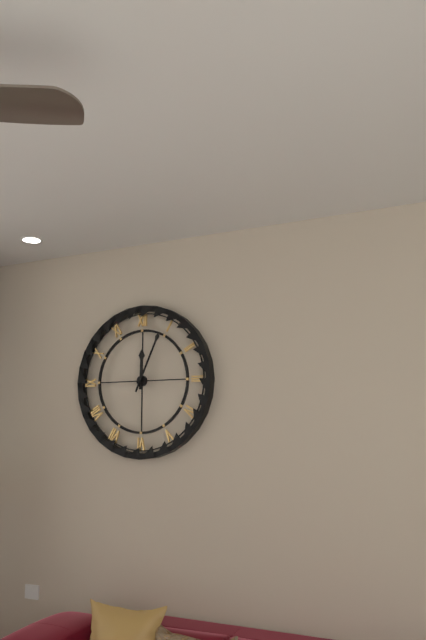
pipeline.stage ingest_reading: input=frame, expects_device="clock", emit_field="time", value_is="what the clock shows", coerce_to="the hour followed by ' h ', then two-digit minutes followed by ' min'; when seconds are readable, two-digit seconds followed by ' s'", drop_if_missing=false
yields 12 h 04 min
